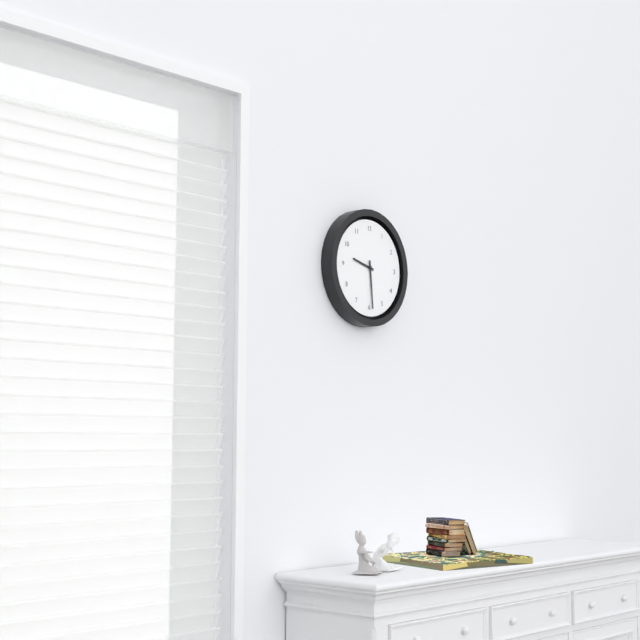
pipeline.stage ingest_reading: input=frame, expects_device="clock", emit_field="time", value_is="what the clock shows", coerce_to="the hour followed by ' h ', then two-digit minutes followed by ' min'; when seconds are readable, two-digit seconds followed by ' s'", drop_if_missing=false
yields 9 h 29 min
